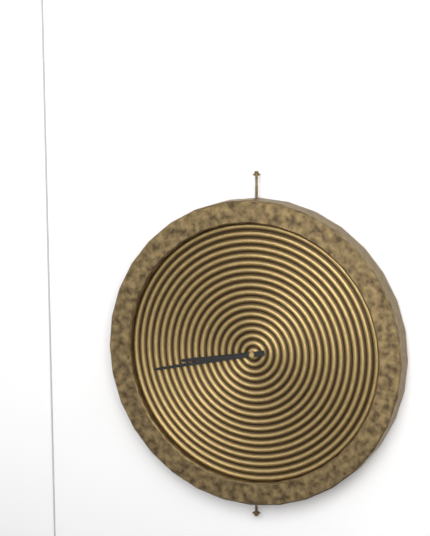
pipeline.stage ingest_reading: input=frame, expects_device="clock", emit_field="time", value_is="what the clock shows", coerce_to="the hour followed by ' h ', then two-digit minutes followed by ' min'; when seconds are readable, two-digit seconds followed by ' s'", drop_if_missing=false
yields 8 h 43 min
